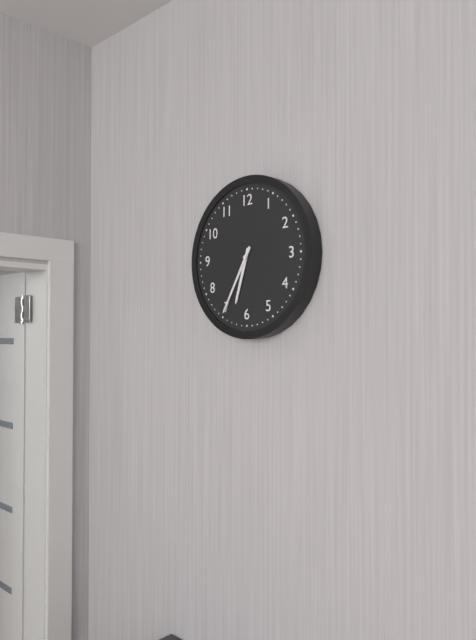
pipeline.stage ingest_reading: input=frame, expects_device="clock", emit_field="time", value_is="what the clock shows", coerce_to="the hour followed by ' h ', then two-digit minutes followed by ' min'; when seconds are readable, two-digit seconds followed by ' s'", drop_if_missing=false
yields 6 h 35 min
